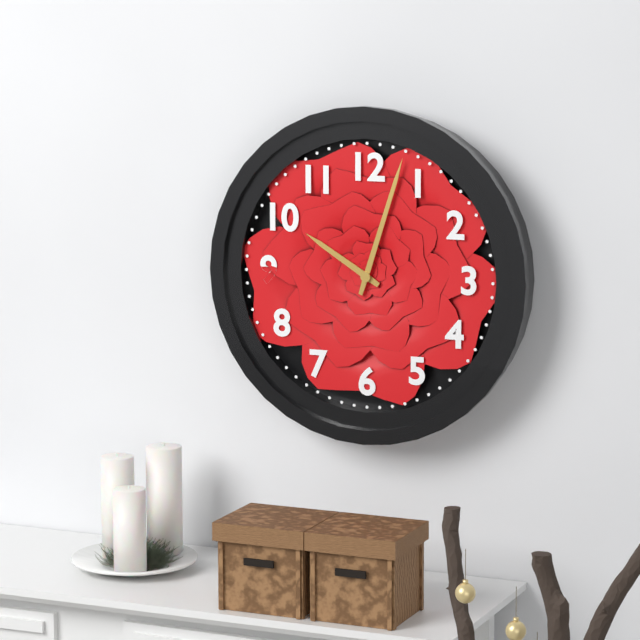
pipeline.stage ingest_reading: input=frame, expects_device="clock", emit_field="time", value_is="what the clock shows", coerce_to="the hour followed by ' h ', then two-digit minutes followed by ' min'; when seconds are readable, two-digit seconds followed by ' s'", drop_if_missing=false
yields 10 h 03 min
